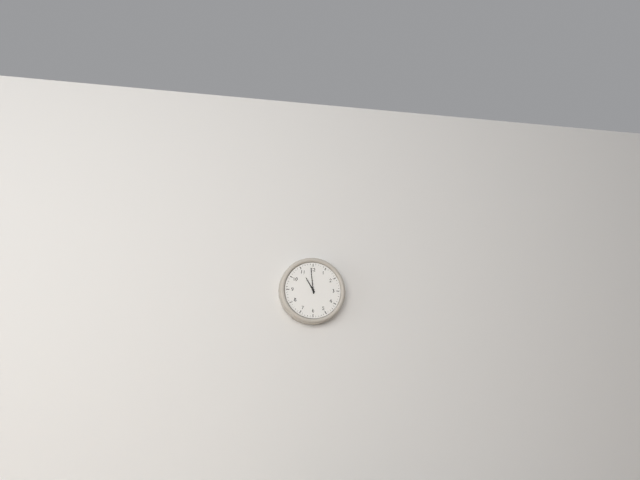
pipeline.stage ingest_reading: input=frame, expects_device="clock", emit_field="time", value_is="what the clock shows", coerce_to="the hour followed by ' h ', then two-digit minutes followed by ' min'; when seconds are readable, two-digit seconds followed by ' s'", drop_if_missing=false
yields 10 h 59 min
